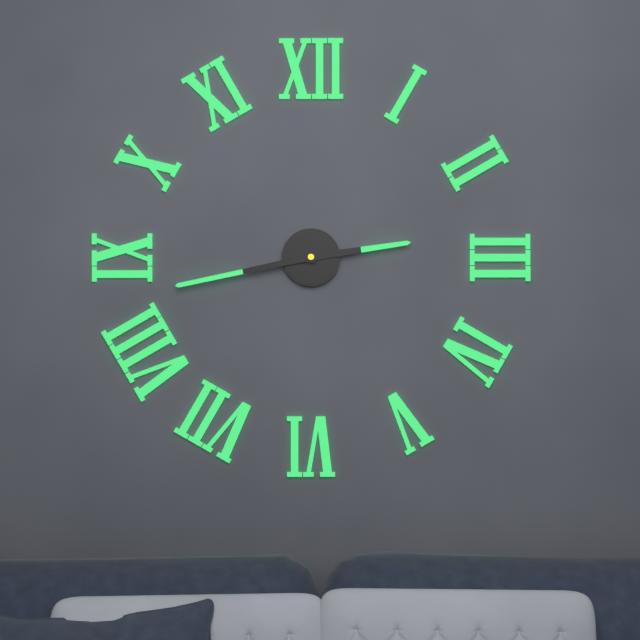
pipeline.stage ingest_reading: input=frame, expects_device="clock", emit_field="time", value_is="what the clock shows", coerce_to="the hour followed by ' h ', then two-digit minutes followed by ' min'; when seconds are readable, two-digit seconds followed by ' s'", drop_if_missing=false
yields 2 h 43 min
